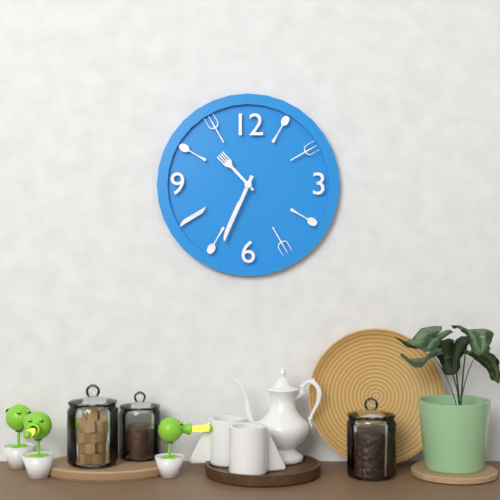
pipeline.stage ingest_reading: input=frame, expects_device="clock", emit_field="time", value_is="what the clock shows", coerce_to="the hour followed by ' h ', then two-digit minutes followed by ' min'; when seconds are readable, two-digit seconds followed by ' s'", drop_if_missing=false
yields 10 h 34 min
